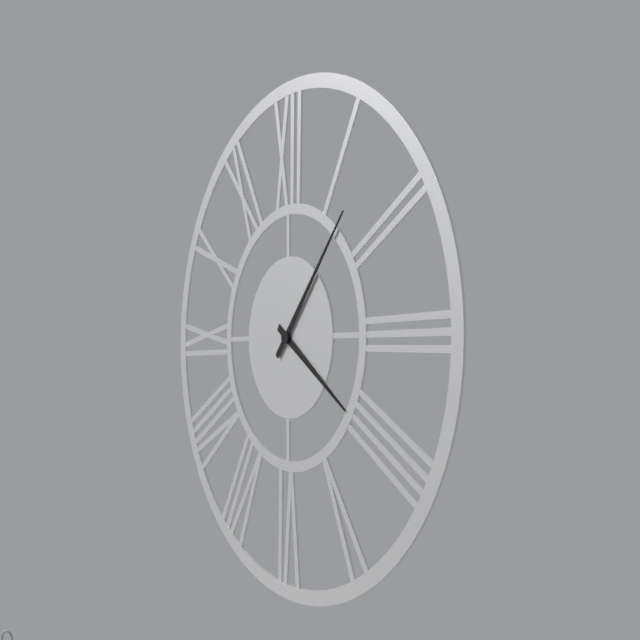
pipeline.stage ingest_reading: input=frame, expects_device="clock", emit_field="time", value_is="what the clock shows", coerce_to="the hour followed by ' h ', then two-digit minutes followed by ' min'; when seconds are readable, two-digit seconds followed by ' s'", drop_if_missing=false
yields 4 h 07 min
